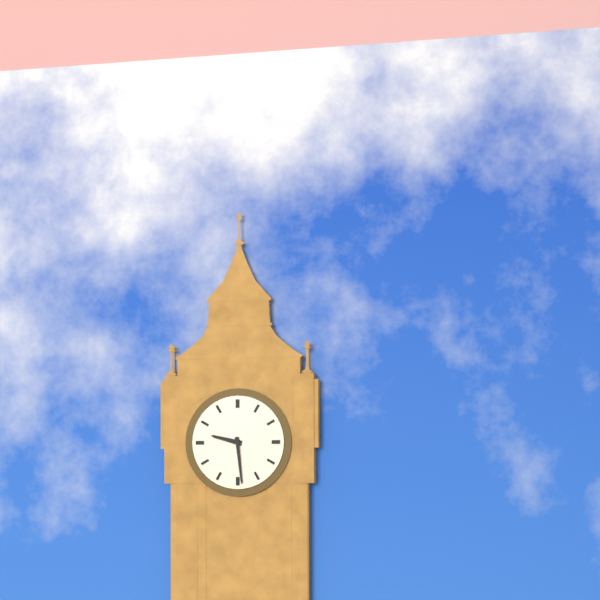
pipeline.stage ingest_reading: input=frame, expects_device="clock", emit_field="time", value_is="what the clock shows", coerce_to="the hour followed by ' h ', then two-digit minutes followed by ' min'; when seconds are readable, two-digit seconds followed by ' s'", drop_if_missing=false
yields 9 h 29 min
